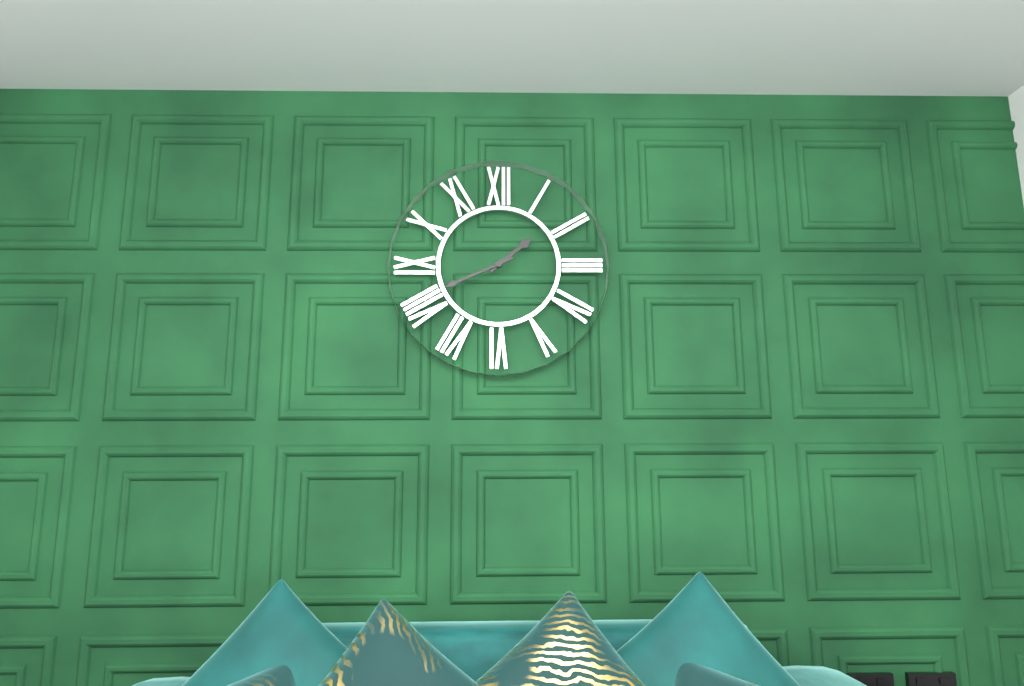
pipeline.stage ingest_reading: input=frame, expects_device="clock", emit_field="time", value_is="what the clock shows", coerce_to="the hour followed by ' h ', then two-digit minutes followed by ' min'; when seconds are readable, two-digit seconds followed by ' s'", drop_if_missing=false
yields 1 h 41 min
